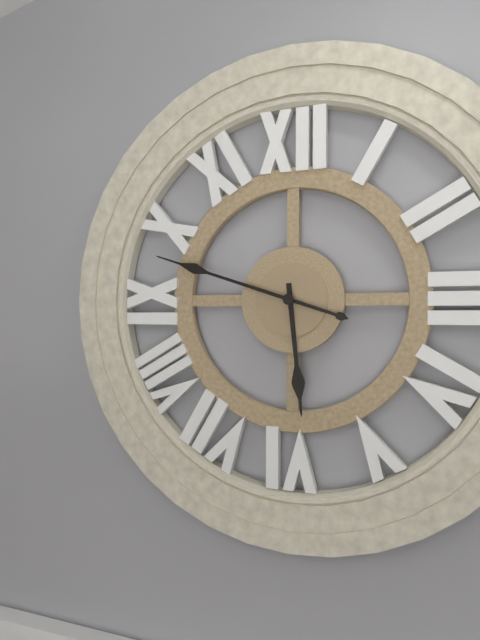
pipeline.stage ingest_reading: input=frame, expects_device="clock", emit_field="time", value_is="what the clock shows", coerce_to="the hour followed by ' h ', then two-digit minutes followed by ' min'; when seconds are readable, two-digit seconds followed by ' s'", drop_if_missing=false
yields 5 h 48 min
